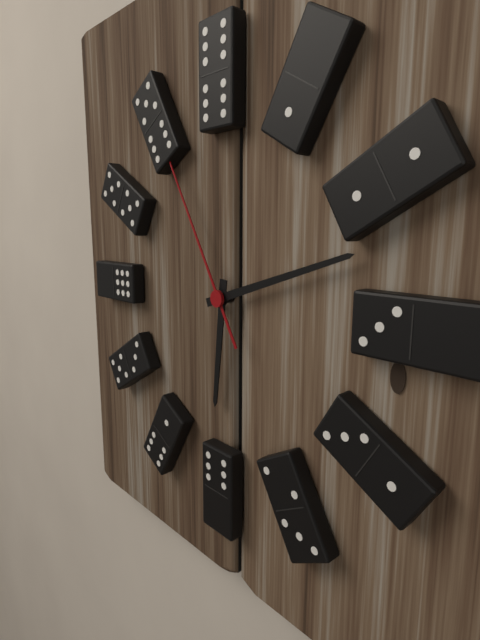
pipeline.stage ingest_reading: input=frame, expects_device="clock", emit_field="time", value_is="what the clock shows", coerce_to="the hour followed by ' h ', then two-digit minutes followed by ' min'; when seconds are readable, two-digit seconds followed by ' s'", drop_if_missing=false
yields 6 h 12 min 55 s
